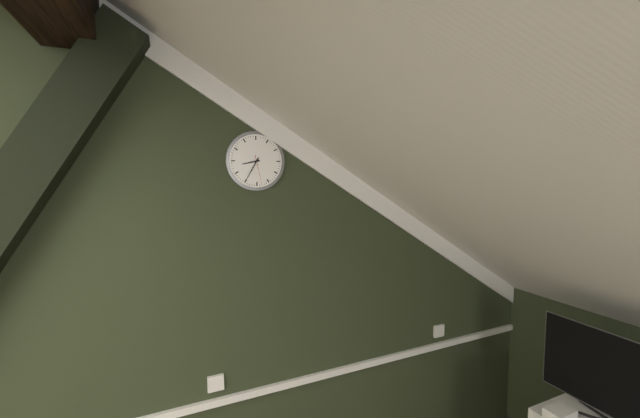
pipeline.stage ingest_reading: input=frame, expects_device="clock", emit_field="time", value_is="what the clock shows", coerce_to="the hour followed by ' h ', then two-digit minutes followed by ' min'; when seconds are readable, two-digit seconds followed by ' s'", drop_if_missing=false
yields 8 h 35 min
